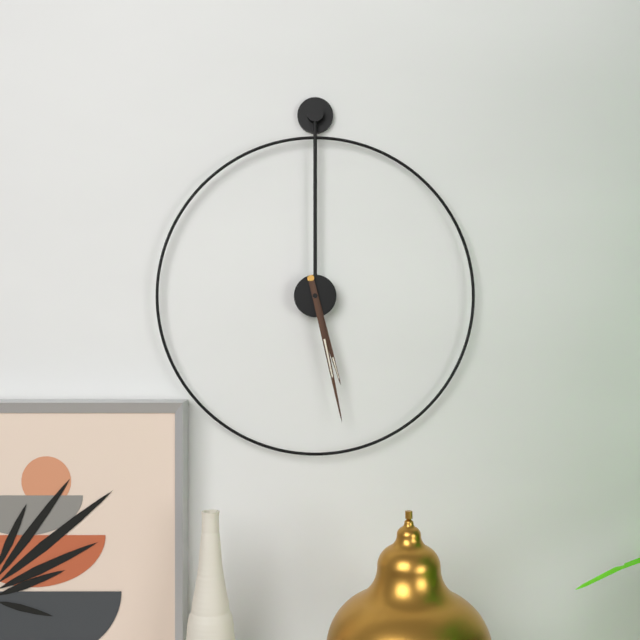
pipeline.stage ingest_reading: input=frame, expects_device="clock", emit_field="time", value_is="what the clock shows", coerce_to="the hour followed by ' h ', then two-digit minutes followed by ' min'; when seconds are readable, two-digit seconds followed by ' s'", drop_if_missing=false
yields 5 h 28 min
